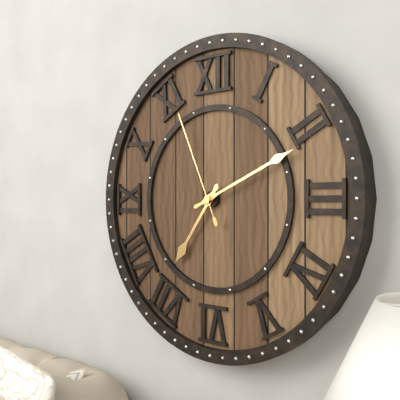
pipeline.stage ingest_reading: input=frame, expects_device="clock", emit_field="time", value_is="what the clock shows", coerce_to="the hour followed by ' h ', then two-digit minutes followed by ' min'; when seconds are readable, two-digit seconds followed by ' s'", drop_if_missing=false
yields 7 h 11 min 56 s
